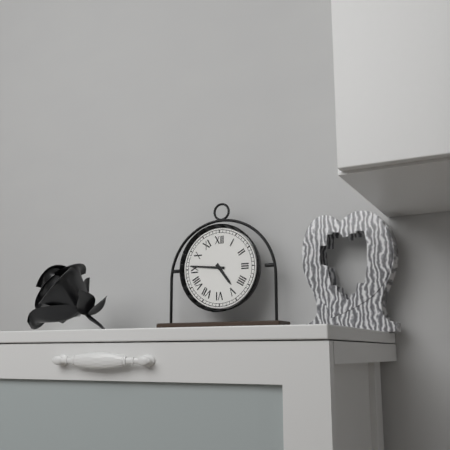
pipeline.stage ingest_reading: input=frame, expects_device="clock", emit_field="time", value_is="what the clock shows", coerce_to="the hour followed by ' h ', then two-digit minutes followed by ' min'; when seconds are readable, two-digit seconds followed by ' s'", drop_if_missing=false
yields 4 h 46 min
